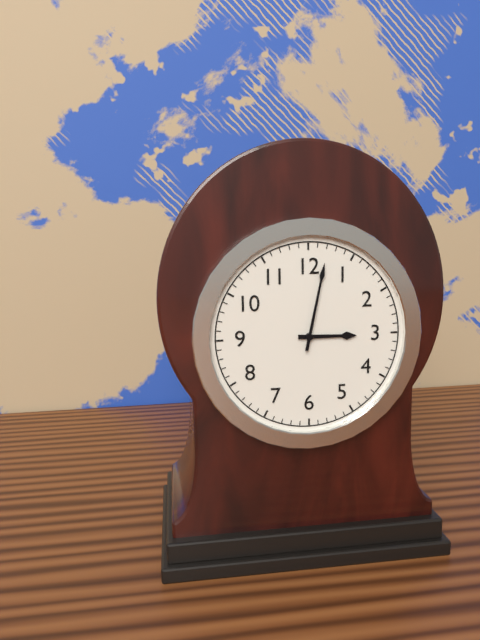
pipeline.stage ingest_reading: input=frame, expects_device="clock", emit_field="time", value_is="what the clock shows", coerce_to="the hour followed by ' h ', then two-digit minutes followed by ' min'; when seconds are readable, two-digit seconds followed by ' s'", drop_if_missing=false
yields 3 h 02 min
